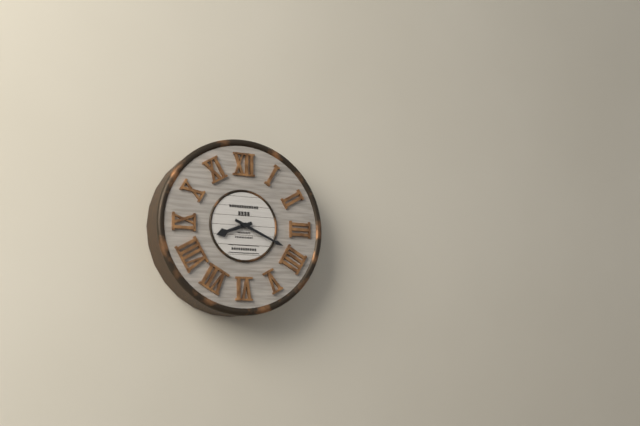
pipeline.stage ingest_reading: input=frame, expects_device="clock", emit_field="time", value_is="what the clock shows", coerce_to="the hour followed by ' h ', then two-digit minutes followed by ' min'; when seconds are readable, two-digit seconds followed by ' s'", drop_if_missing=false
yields 8 h 19 min
